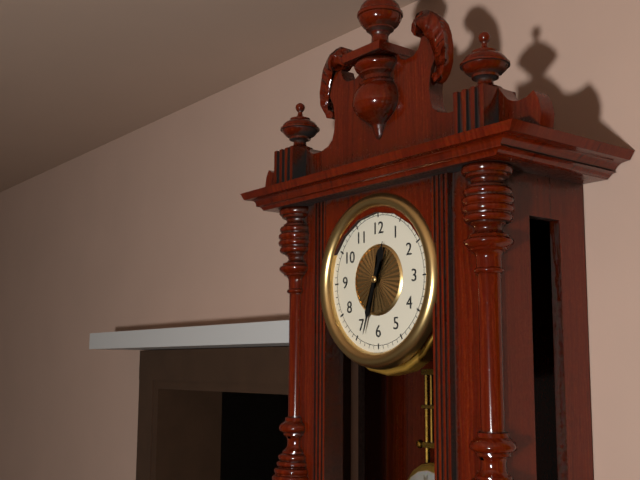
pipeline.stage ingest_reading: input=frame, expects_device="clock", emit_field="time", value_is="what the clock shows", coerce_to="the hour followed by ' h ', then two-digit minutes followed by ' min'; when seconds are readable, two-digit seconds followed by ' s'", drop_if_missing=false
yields 12 h 33 min
